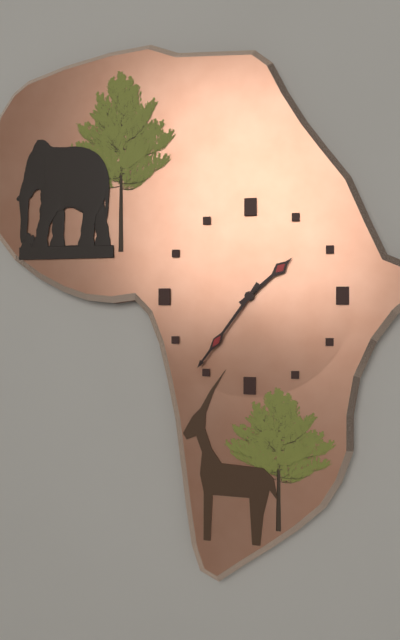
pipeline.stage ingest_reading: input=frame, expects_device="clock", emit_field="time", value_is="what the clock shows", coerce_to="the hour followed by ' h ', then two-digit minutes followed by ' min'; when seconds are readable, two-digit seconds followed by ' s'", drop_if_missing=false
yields 1 h 36 min
